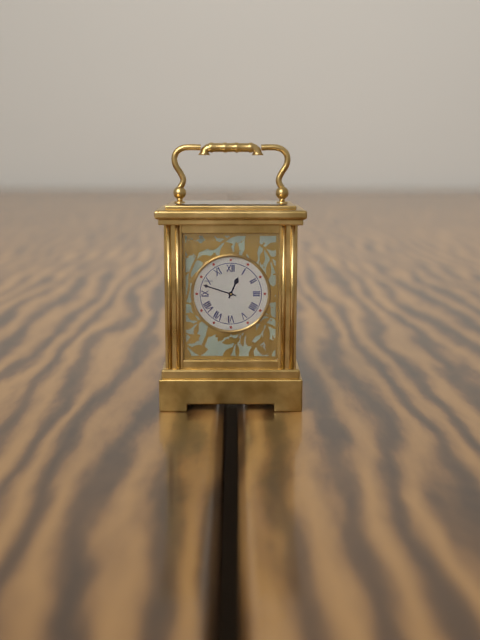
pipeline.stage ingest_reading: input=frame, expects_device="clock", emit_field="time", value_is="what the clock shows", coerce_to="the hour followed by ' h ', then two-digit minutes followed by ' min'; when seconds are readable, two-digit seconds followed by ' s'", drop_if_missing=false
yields 12 h 48 min
